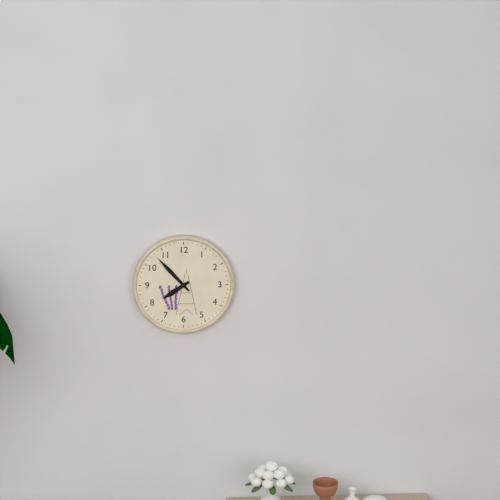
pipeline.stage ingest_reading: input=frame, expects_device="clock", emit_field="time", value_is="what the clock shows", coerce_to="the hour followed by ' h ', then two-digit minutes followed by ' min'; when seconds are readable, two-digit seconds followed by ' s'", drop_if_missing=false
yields 7 h 53 min
